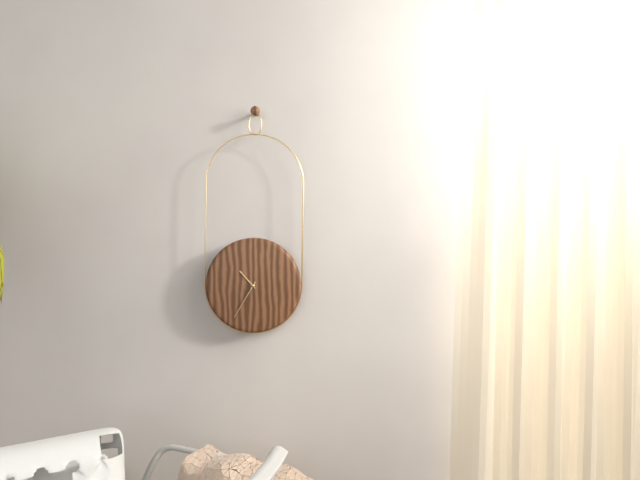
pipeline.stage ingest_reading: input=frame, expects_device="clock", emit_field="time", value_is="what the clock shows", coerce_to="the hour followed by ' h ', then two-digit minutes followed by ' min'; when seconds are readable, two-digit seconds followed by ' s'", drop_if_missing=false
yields 10 h 35 min
